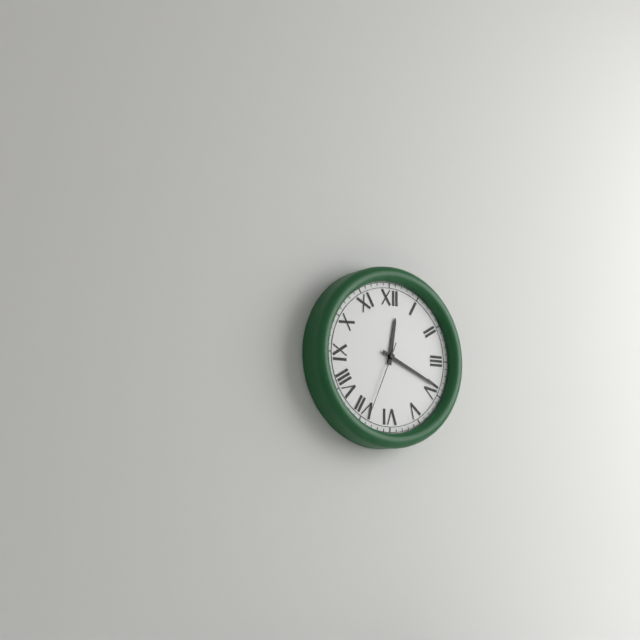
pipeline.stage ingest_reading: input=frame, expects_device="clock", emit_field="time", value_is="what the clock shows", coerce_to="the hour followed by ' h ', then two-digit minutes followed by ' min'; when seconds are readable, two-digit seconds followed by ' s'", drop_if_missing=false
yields 12 h 19 min 34 s
